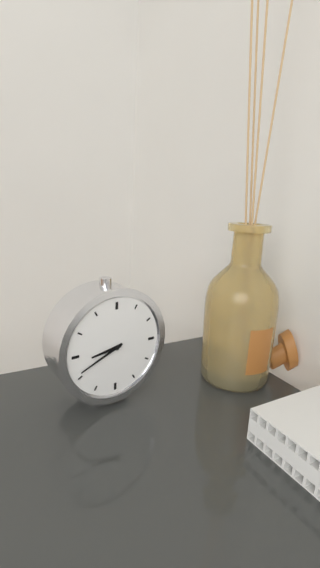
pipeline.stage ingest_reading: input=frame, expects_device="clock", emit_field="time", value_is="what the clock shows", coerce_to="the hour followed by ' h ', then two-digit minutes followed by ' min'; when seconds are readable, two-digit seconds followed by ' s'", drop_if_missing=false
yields 8 h 41 min
